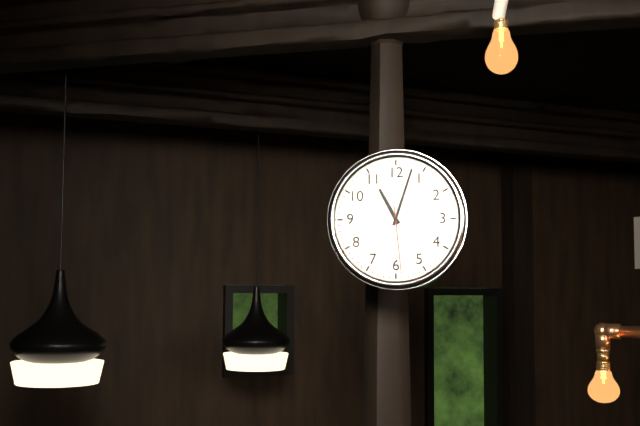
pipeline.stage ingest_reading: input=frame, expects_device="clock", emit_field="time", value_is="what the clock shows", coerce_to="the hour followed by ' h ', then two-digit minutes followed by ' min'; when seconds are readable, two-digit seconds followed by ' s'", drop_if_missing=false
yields 11 h 03 min 29 s
